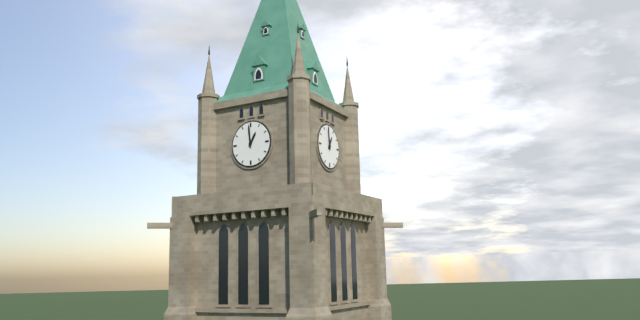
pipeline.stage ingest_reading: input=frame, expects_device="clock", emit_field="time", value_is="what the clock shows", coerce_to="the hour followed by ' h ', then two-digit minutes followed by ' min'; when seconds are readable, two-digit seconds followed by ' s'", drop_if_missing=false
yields 12 h 59 min
